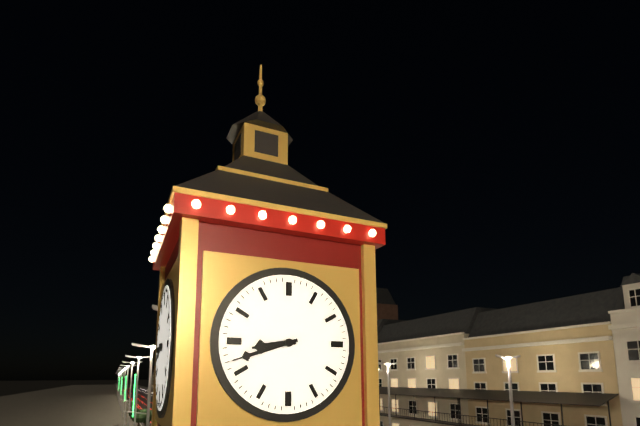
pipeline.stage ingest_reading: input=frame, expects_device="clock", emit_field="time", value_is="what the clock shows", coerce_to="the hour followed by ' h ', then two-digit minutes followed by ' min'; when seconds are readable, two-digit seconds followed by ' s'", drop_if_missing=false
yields 8 h 42 min
